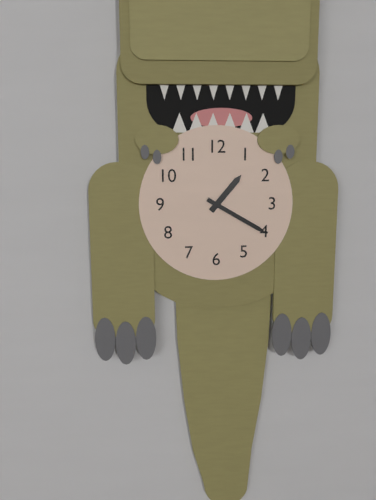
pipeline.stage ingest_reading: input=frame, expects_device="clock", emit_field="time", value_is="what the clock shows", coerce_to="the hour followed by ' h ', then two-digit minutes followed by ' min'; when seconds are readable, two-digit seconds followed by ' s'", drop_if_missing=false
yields 1 h 20 min
